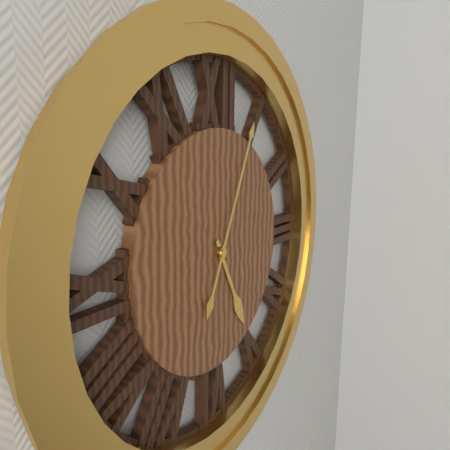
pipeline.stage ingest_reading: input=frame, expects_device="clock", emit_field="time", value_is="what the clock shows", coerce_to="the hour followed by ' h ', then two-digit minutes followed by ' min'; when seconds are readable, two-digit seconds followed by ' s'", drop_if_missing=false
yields 5 h 04 min
